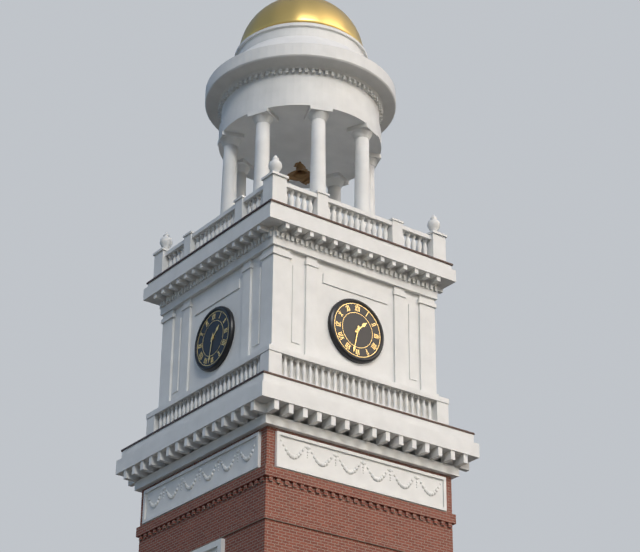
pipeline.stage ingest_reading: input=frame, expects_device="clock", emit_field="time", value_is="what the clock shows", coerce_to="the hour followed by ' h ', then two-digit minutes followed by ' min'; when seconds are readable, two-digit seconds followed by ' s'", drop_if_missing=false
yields 1 h 32 min
